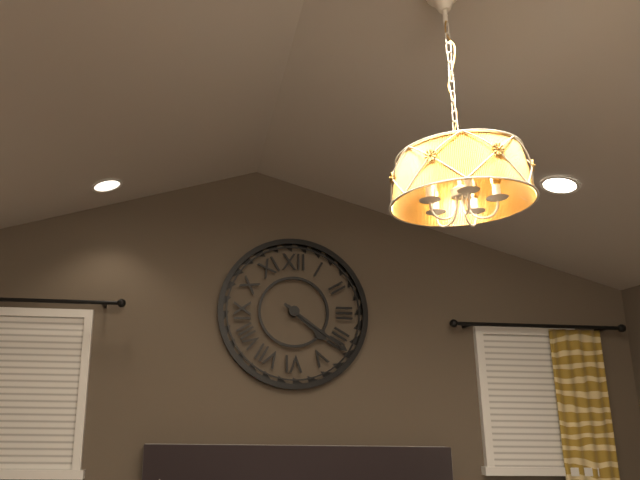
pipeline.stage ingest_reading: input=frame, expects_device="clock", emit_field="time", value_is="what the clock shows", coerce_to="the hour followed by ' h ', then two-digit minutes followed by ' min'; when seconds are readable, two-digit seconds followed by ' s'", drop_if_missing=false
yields 4 h 21 min
